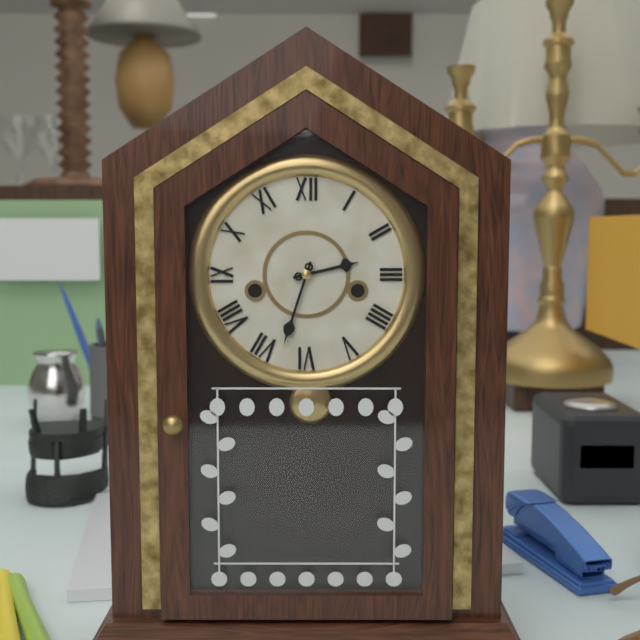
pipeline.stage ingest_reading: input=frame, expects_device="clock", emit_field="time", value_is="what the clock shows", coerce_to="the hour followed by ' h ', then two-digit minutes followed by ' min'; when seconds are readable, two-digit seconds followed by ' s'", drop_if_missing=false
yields 2 h 33 min
